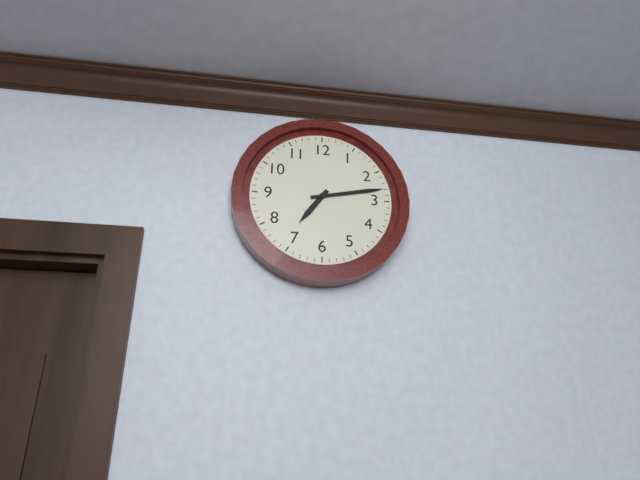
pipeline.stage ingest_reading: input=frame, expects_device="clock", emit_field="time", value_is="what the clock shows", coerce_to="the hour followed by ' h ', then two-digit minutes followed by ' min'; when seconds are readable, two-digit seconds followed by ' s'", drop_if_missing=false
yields 7 h 13 min
